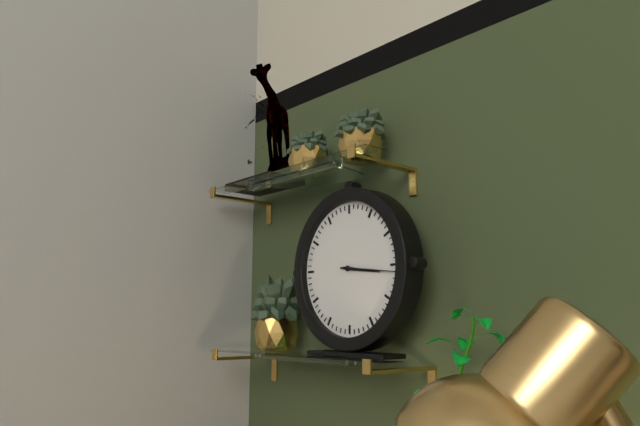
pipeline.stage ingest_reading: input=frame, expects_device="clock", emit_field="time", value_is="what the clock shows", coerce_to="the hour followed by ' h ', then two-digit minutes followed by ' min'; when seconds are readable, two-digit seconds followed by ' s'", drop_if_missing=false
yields 3 h 16 min
